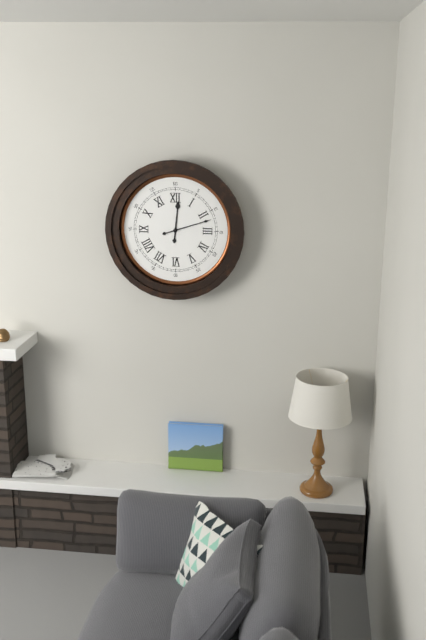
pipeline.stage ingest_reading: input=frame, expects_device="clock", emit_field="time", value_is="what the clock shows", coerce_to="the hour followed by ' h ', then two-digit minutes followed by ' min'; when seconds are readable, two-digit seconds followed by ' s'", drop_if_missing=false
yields 12 h 12 min
